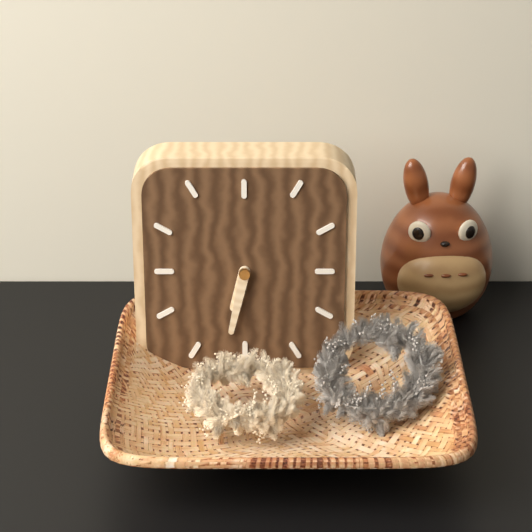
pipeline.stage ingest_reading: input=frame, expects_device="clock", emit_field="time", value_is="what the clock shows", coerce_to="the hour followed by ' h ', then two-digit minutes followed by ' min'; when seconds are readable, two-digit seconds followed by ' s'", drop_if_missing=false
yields 6 h 32 min
